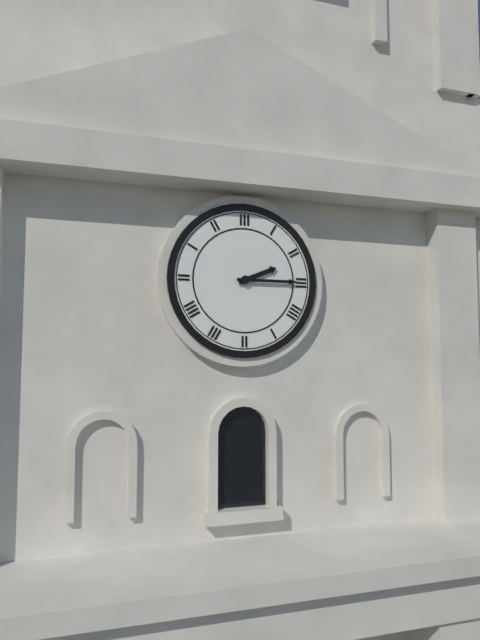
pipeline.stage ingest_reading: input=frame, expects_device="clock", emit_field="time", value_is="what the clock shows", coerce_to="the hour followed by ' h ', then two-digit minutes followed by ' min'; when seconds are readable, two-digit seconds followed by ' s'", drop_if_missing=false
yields 2 h 15 min
